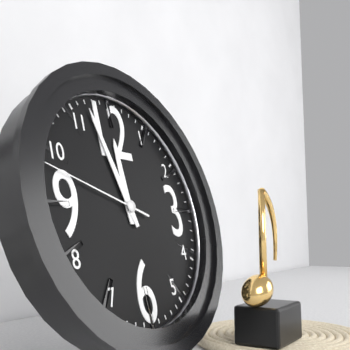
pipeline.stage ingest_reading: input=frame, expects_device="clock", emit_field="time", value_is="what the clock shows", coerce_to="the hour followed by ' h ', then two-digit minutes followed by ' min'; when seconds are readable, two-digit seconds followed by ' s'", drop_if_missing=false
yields 11 h 57 min 48 s
